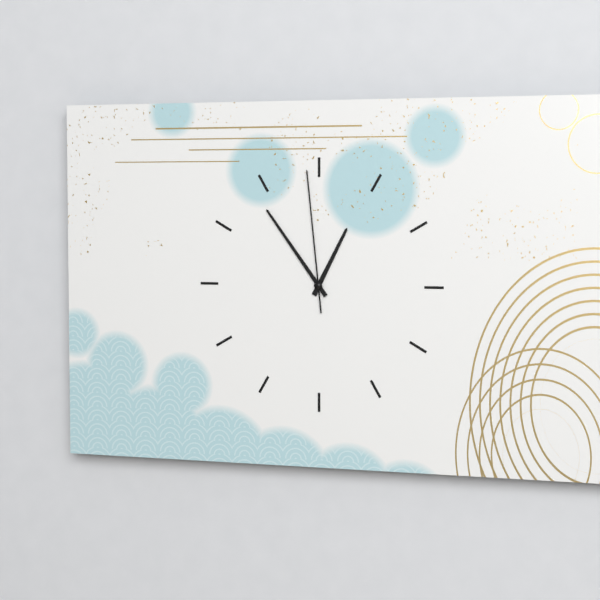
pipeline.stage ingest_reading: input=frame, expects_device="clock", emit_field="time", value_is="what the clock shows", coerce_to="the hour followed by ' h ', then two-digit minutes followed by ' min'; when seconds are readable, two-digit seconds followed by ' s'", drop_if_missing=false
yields 12 h 54 min 59 s
